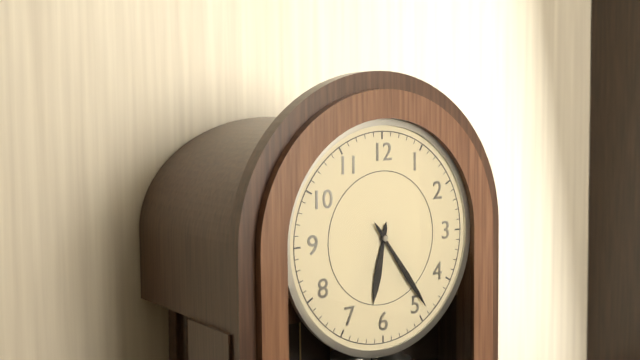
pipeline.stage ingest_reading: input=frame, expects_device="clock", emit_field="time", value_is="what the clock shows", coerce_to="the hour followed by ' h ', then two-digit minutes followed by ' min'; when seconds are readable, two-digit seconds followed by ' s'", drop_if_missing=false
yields 6 h 24 min
